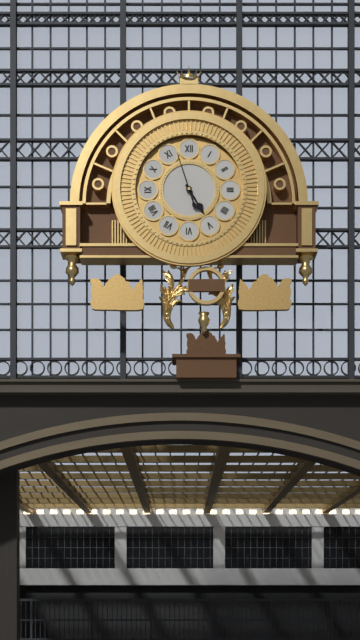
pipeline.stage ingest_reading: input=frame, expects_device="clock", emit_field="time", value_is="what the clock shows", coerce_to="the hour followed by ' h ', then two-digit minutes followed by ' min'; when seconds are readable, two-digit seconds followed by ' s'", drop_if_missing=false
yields 4 h 57 min
